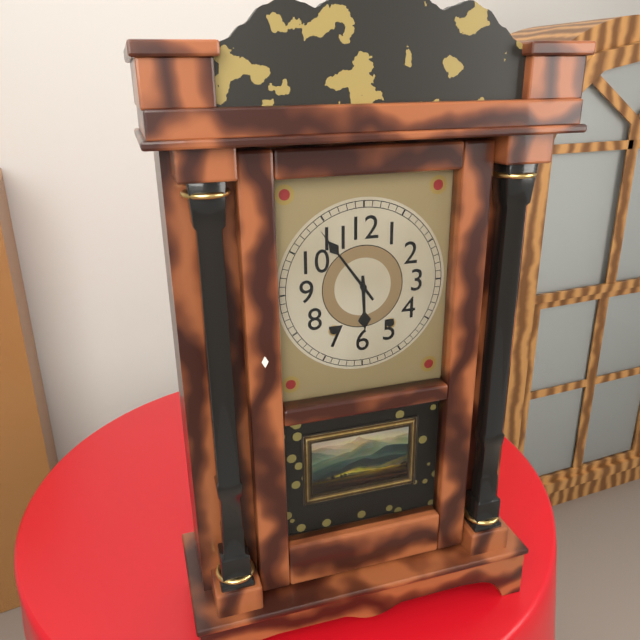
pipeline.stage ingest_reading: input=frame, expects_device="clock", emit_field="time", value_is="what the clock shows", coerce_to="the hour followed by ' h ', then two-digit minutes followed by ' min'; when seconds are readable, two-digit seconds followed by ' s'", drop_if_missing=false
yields 5 h 54 min
